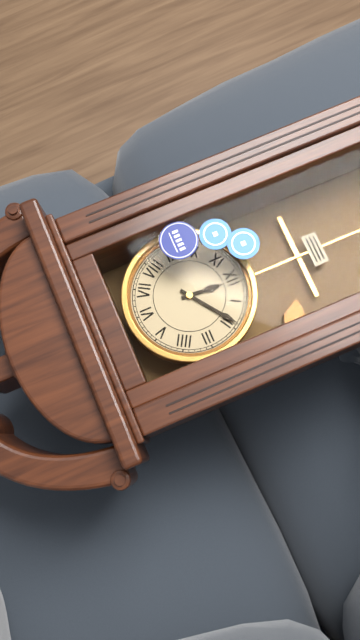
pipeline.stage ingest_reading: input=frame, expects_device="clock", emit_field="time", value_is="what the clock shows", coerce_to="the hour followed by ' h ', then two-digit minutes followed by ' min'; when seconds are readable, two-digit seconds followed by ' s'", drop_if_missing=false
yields 12 h 09 min
